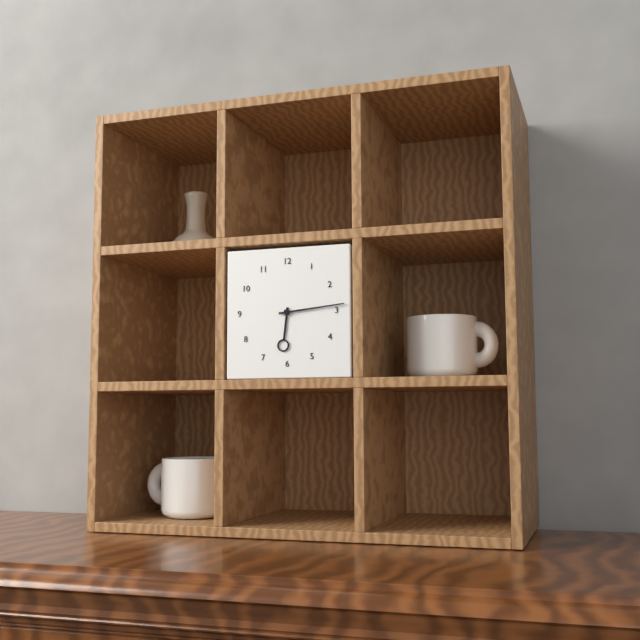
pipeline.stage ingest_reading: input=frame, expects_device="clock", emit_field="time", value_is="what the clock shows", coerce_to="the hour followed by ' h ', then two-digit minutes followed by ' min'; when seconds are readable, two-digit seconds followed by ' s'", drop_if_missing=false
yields 6 h 14 min
